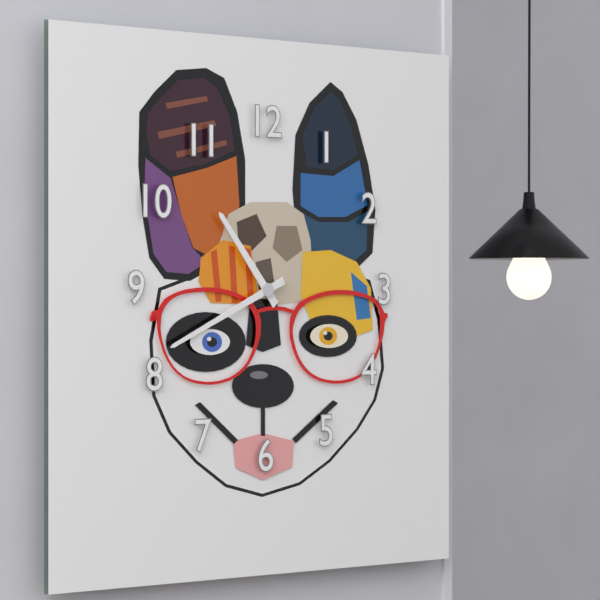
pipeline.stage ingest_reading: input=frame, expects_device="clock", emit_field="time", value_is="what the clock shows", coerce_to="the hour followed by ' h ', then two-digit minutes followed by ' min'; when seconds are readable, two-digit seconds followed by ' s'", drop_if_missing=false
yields 10 h 41 min
